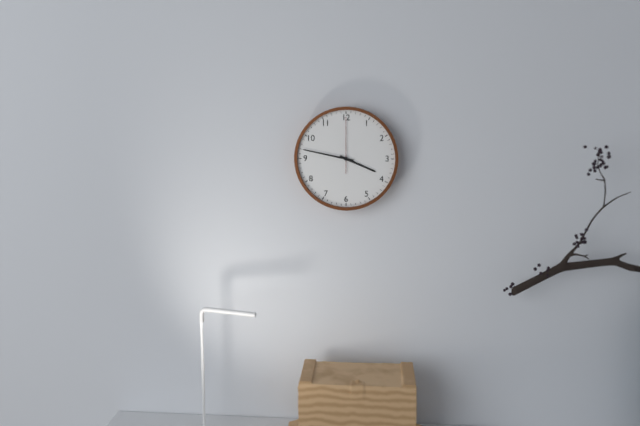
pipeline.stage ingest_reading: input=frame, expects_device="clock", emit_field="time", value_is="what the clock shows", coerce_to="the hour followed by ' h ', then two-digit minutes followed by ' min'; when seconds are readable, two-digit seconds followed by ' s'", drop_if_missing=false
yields 3 h 47 min 00 s
